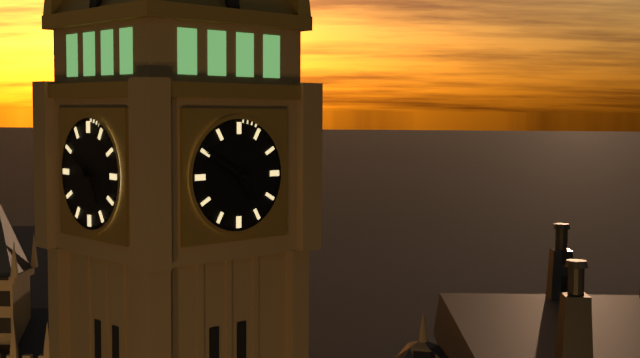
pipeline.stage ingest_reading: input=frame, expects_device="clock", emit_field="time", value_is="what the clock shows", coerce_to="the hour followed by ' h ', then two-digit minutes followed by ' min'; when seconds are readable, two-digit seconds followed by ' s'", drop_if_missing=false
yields 4 h 50 min
